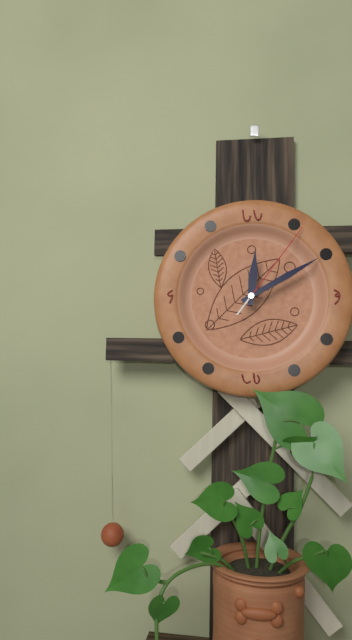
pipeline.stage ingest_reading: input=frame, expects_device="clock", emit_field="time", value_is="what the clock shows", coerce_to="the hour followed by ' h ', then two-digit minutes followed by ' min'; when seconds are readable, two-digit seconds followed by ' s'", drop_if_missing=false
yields 12 h 10 min 06 s
